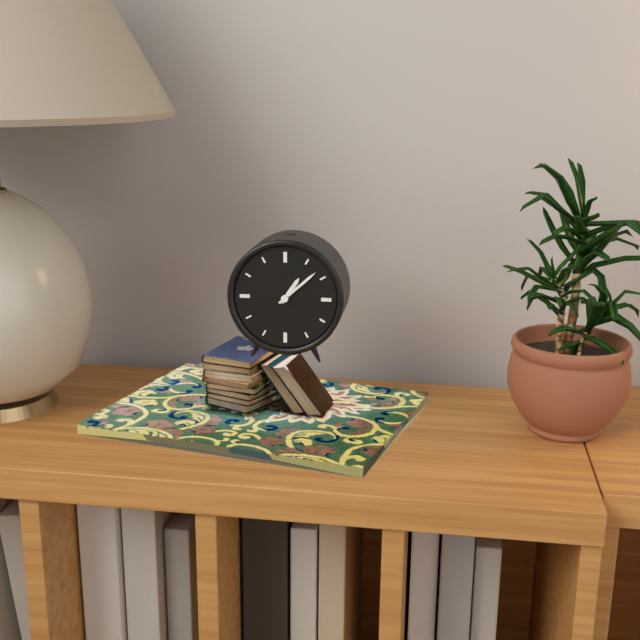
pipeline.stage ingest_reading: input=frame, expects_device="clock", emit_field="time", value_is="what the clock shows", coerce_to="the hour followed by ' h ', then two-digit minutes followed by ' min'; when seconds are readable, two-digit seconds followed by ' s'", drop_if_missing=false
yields 1 h 08 min
